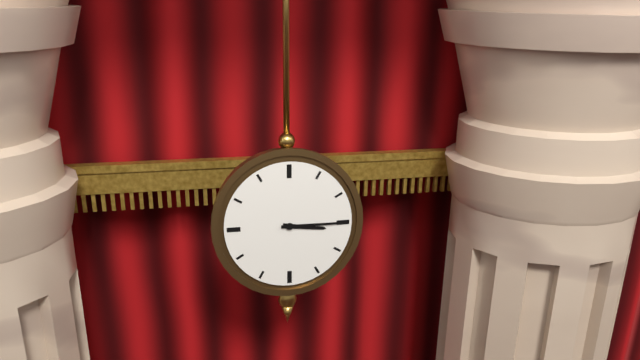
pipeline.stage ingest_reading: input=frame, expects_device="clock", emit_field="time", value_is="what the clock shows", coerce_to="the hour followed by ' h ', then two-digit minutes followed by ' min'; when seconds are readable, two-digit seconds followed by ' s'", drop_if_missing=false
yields 3 h 15 min
